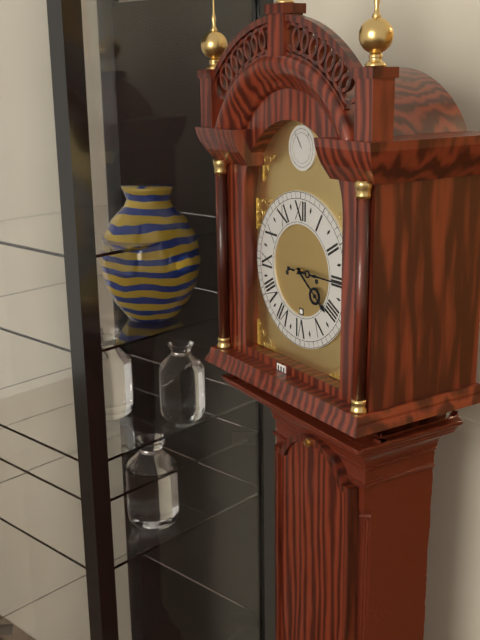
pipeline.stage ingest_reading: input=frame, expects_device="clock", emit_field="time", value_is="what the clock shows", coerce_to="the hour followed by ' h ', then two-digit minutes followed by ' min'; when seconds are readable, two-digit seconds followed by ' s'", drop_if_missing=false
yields 4 h 15 min
